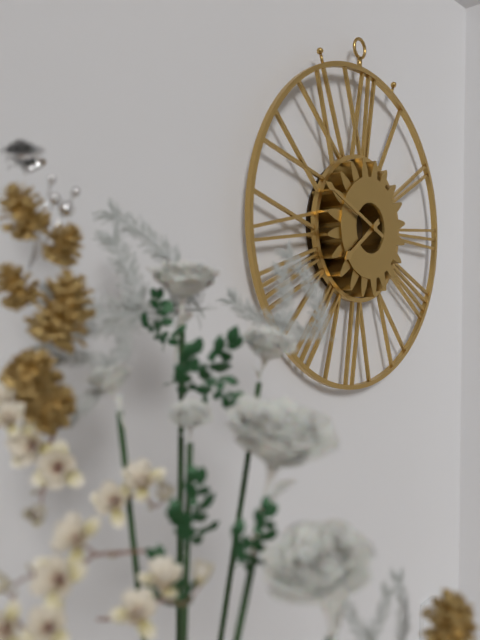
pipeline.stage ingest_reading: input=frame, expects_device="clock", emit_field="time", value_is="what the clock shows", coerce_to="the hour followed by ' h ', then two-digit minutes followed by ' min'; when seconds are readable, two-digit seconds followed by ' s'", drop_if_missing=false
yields 7 h 49 min
